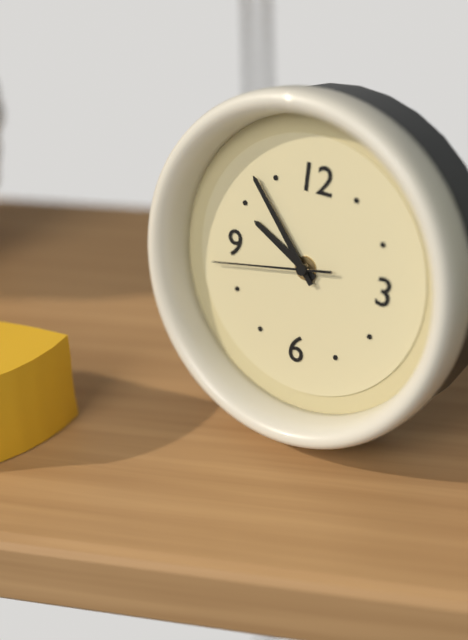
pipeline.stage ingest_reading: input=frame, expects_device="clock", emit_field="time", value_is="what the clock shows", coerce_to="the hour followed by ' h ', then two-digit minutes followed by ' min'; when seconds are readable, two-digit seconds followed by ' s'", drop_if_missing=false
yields 9 h 53 min 43 s
